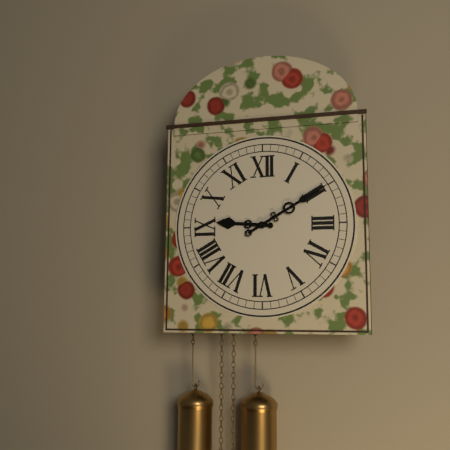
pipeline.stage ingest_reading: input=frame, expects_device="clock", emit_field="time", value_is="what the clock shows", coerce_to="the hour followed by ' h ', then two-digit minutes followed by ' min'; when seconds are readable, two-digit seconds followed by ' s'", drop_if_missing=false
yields 9 h 10 min
